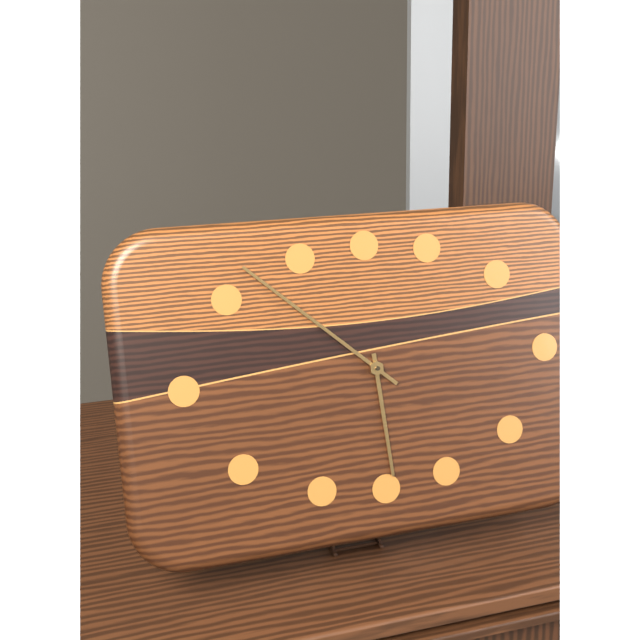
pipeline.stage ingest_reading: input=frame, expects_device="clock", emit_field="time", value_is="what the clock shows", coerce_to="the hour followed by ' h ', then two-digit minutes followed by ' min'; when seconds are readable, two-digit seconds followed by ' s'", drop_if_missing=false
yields 5 h 52 min
